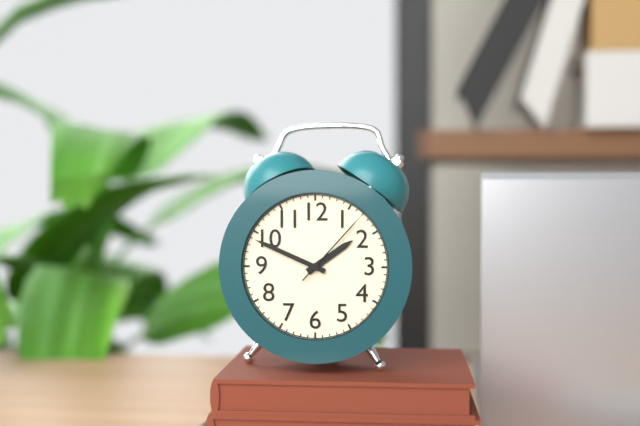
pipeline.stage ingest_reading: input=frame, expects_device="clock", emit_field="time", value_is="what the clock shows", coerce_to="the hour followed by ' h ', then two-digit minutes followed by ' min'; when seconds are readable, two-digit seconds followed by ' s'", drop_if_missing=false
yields 1 h 49 min 07 s
